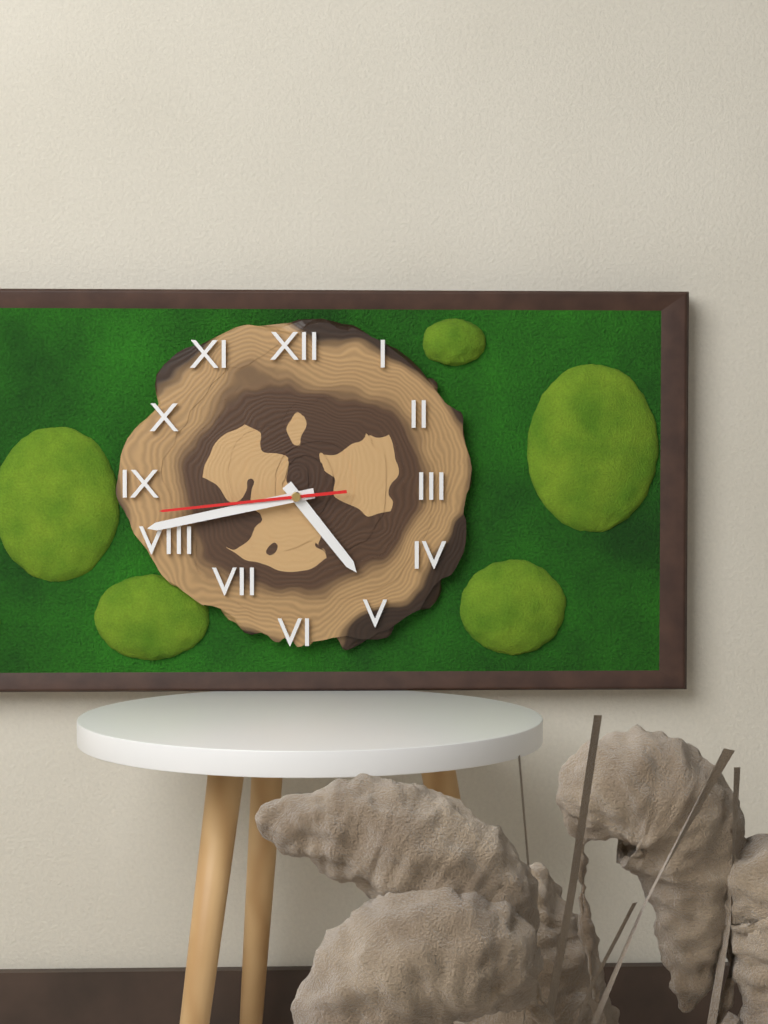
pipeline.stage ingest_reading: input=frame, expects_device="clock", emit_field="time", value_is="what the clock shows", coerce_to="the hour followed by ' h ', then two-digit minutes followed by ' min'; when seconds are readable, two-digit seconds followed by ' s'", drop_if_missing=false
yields 4 h 43 min 44 s
